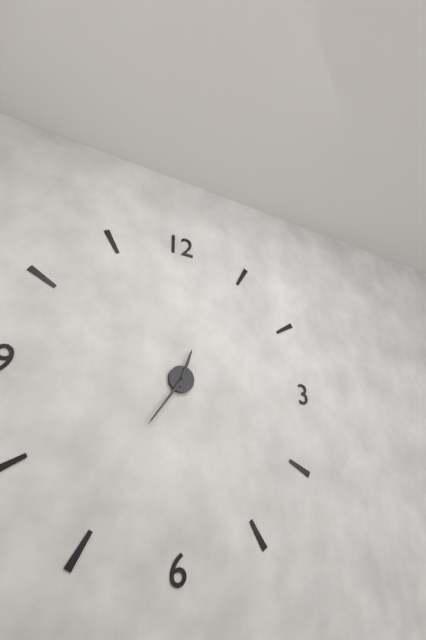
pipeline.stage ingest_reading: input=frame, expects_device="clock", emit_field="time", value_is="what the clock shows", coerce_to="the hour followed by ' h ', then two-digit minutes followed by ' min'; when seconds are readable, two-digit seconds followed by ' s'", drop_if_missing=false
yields 12 h 36 min
